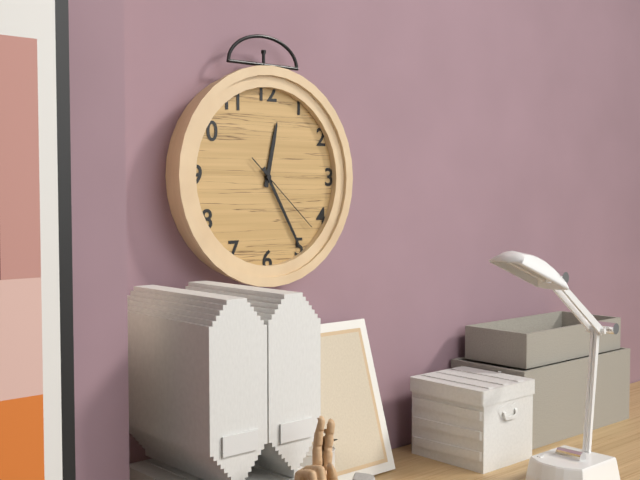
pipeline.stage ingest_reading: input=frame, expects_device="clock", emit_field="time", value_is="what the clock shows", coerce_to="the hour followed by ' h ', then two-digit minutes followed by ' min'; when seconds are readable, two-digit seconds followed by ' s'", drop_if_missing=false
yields 12 h 25 min 22 s
